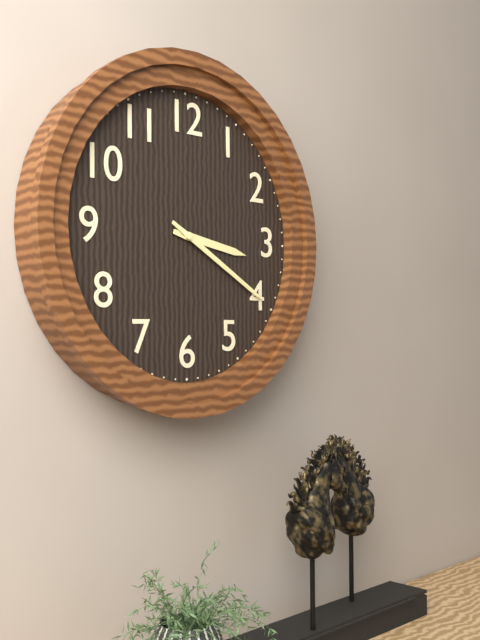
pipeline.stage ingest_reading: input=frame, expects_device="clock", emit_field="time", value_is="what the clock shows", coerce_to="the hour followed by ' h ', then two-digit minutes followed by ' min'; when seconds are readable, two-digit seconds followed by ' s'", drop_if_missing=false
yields 3 h 20 min
